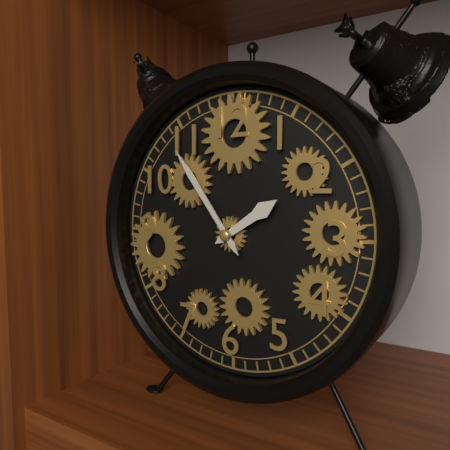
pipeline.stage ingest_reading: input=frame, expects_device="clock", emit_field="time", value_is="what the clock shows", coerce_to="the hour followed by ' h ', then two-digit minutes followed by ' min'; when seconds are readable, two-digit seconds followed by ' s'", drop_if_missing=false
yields 1 h 54 min
